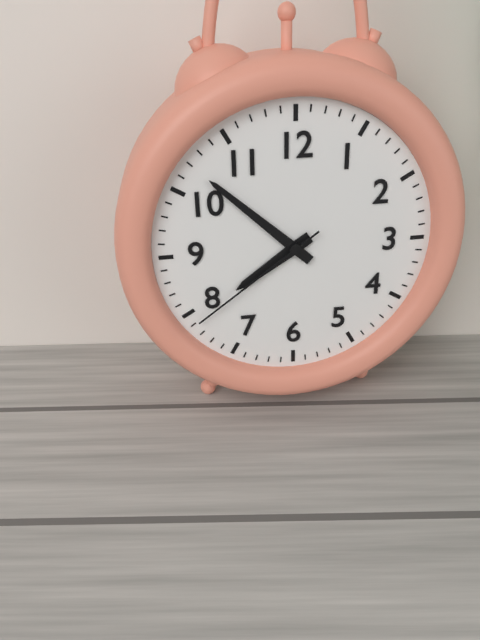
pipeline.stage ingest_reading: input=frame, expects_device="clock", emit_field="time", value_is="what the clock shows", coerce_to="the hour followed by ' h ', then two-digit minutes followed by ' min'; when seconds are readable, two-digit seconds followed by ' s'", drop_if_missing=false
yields 7 h 52 min 39 s
